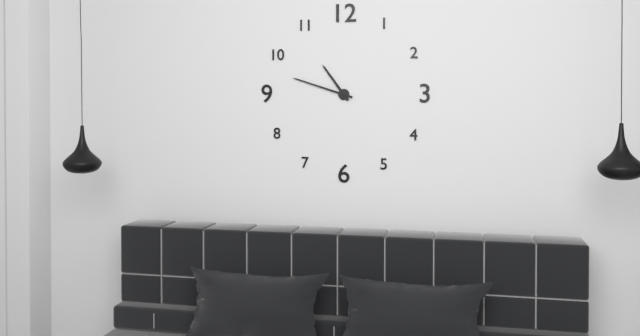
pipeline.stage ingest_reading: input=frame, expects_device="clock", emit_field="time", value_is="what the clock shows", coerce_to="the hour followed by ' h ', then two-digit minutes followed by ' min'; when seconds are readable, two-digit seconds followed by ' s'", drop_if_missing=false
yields 10 h 48 min
